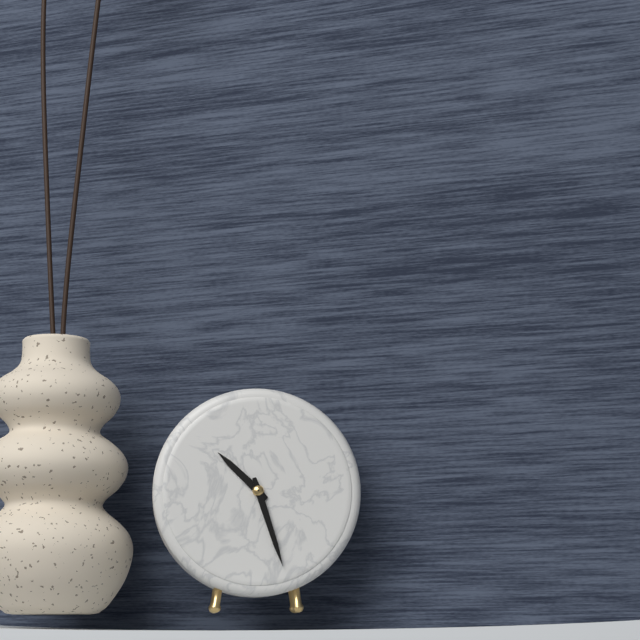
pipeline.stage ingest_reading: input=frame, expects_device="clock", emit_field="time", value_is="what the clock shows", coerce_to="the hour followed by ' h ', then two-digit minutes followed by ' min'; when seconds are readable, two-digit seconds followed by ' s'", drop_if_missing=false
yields 10 h 27 min
